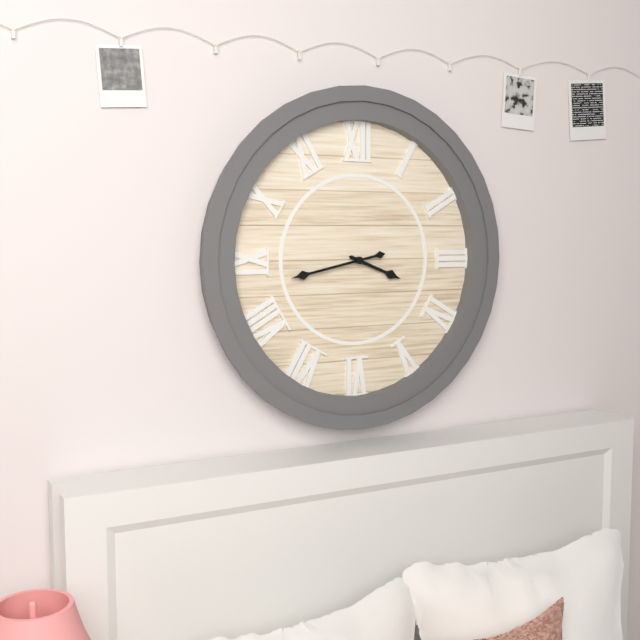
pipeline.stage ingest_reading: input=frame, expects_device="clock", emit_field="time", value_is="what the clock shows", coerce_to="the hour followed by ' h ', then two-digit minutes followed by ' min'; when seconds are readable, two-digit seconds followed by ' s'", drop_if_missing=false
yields 3 h 43 min
